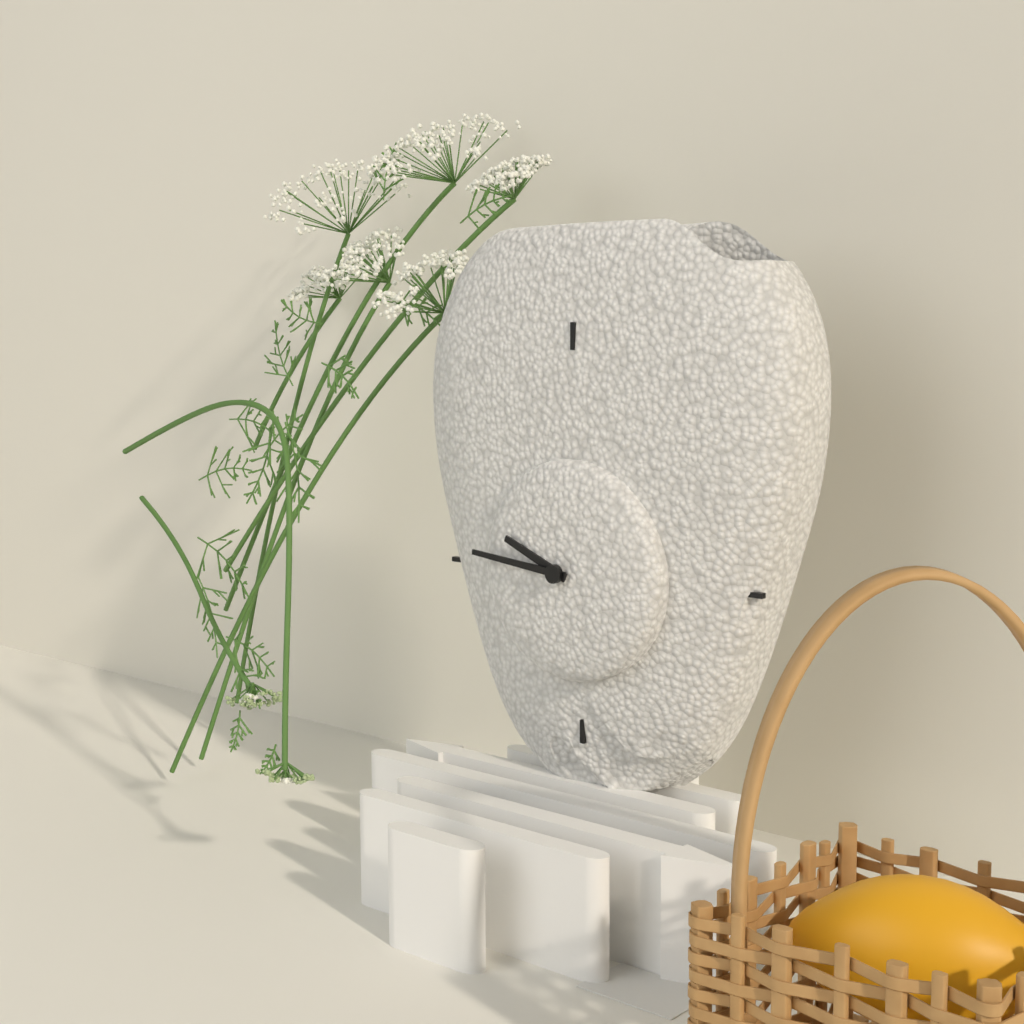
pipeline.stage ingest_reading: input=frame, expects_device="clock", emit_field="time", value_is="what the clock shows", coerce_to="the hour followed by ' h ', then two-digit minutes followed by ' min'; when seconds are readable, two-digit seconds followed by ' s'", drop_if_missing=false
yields 9 h 46 min
